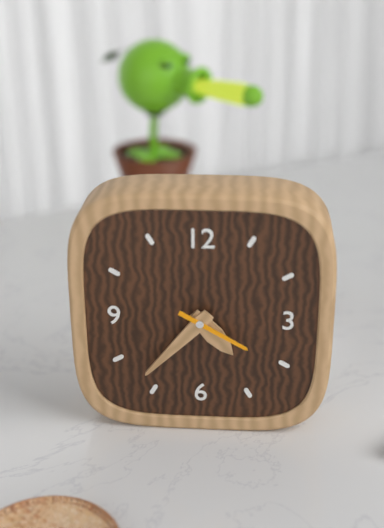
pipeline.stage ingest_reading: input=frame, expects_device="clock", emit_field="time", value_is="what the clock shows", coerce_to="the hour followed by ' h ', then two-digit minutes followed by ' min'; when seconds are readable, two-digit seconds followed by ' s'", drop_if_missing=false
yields 4 h 37 min 20 s
